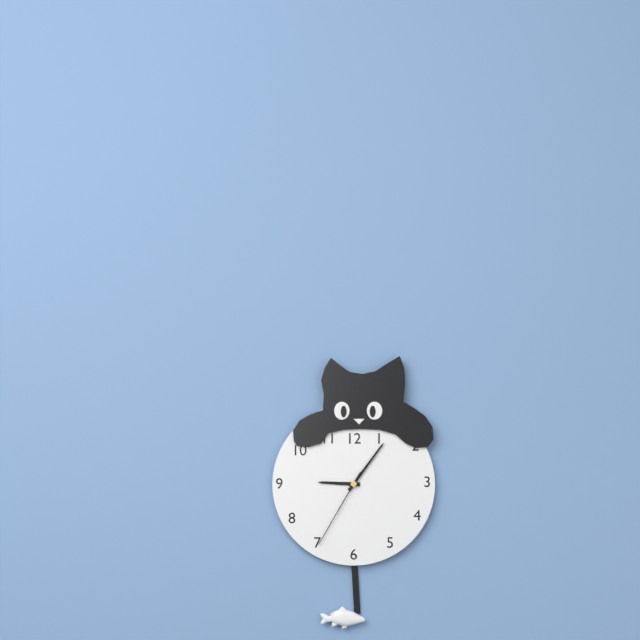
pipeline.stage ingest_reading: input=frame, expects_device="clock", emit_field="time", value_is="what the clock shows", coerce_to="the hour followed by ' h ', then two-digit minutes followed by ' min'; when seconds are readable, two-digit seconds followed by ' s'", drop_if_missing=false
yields 9 h 06 min 35 s
